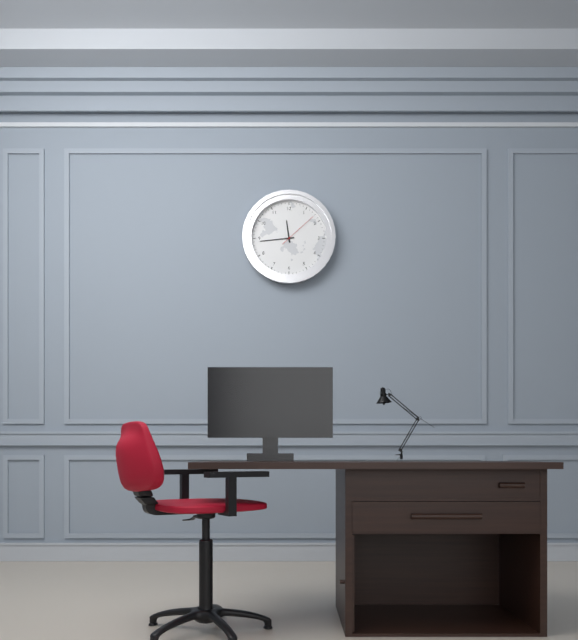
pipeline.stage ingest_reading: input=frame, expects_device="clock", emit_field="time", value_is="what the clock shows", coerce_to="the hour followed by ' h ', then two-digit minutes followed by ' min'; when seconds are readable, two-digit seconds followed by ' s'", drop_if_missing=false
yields 11 h 44 min
